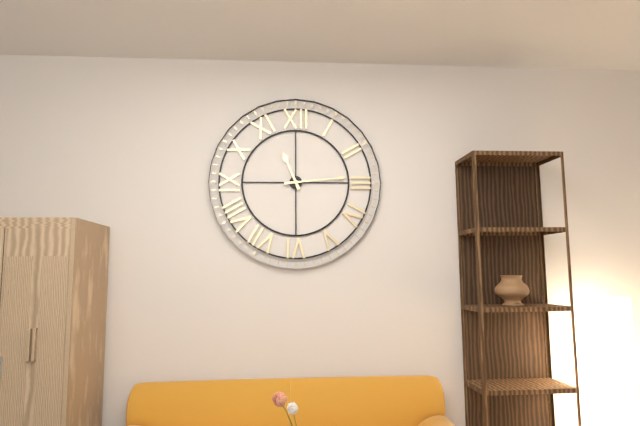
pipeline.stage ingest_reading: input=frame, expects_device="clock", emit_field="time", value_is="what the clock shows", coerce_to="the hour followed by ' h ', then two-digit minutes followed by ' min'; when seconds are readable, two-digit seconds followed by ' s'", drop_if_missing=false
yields 11 h 14 min
